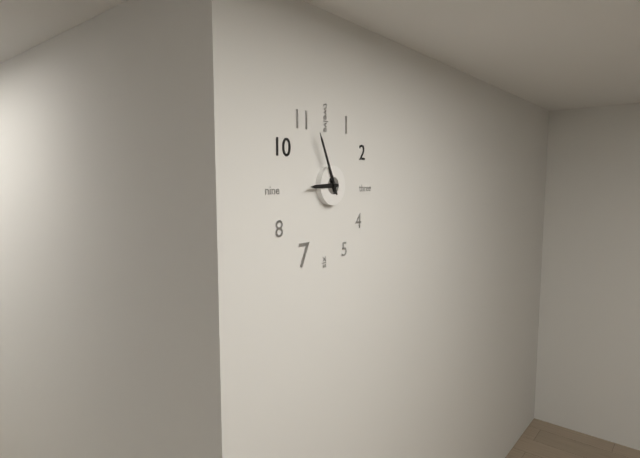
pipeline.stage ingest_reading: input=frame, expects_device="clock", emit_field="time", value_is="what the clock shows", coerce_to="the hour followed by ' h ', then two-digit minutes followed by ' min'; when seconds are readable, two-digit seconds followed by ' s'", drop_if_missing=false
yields 8 h 56 min
